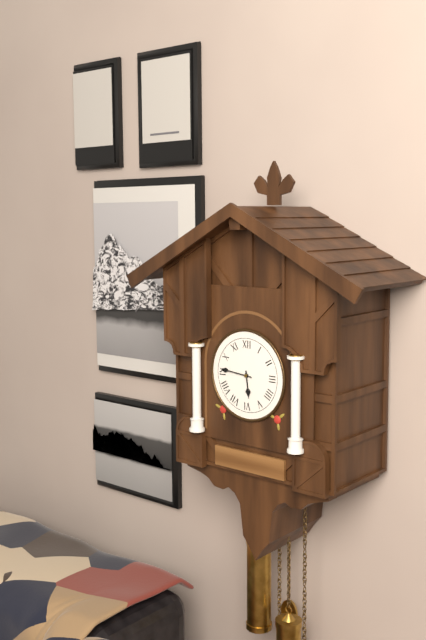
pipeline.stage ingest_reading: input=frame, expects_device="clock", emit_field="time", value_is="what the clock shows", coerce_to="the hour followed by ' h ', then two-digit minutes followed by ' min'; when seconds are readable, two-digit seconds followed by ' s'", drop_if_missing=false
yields 5 h 46 min
